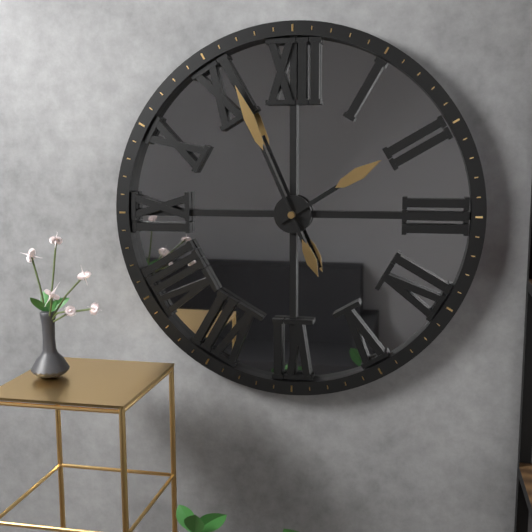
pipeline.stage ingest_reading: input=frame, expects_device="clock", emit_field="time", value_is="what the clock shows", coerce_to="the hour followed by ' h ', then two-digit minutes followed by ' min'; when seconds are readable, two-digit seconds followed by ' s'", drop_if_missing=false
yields 1 h 56 min
